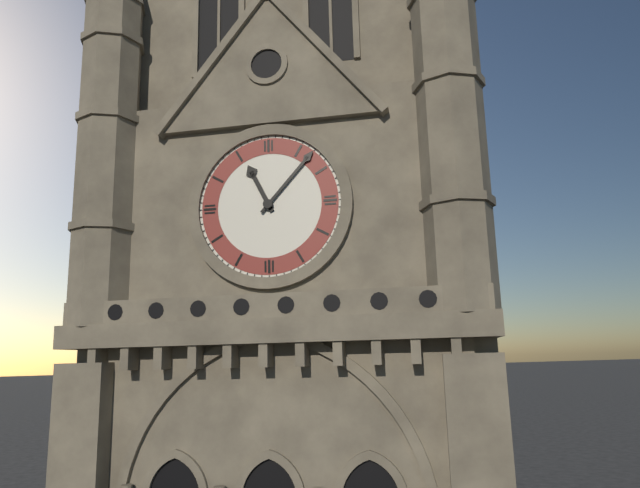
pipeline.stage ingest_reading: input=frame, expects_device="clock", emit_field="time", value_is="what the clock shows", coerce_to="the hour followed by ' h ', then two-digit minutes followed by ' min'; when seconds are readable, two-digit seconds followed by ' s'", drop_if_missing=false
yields 11 h 07 min
